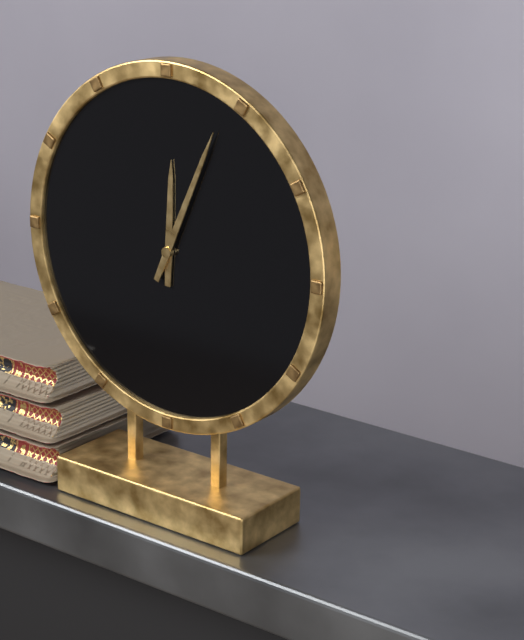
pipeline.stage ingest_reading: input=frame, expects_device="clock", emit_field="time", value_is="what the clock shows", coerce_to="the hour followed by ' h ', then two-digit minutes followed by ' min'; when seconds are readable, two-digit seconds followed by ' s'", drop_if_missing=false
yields 12 h 04 min
